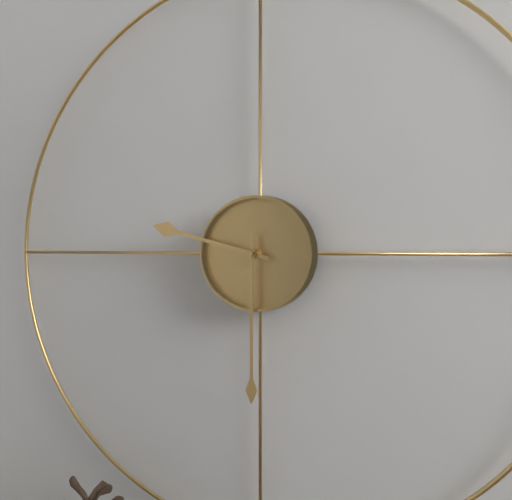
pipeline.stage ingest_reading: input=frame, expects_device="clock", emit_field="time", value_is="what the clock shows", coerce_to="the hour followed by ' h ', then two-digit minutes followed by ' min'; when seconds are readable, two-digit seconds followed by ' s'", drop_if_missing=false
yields 9 h 30 min
